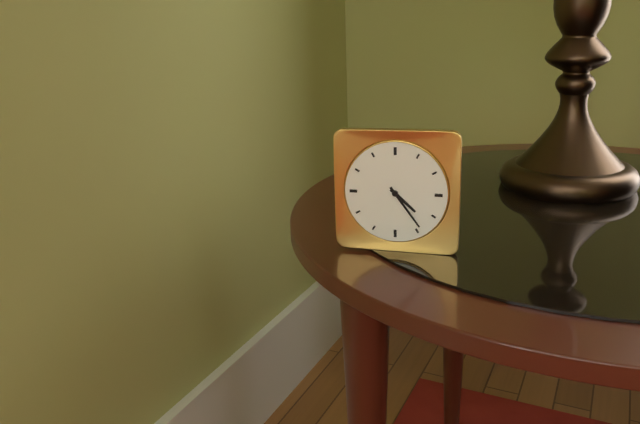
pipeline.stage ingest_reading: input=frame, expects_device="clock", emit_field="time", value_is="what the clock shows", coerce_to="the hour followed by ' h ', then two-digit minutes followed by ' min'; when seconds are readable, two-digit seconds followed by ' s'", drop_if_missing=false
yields 4 h 24 min
